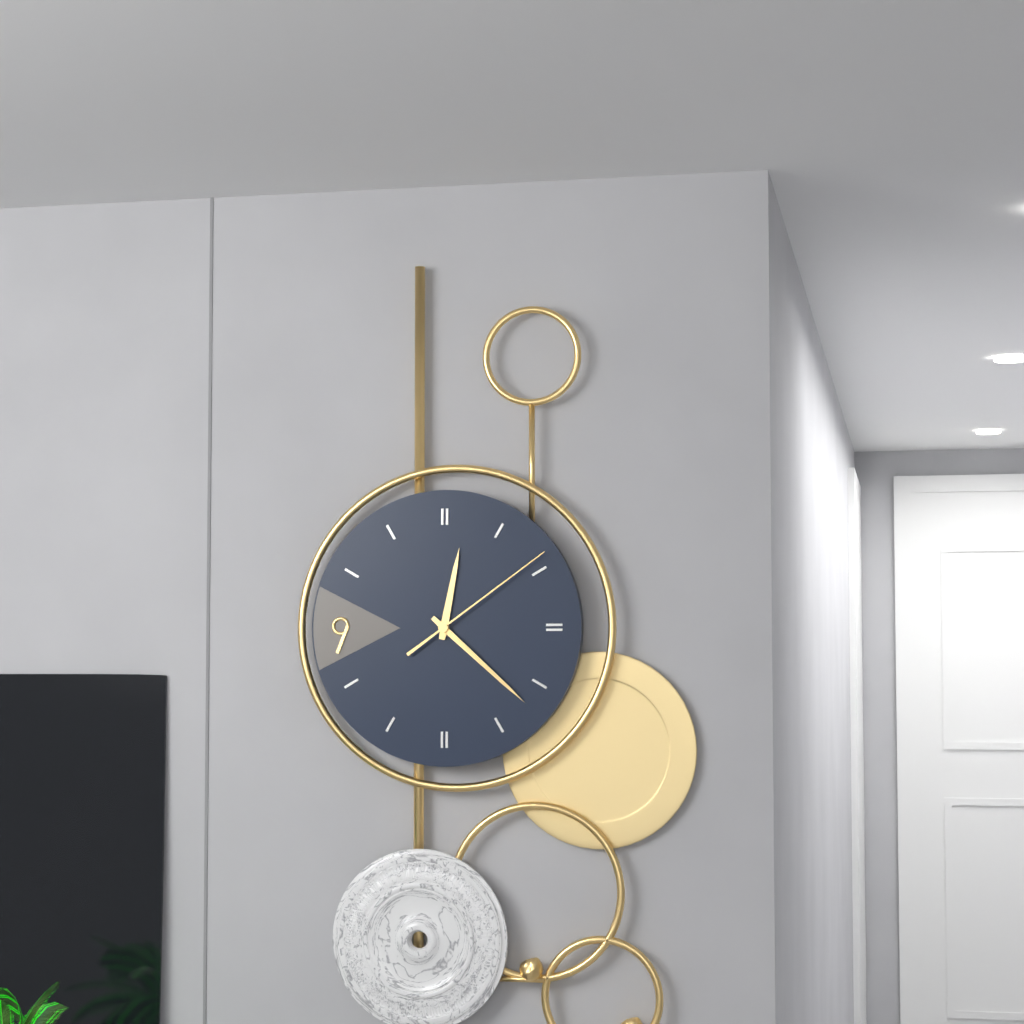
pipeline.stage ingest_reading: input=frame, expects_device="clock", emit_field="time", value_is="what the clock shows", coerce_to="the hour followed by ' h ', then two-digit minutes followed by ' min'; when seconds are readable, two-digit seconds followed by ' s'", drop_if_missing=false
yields 12 h 22 min 09 s
